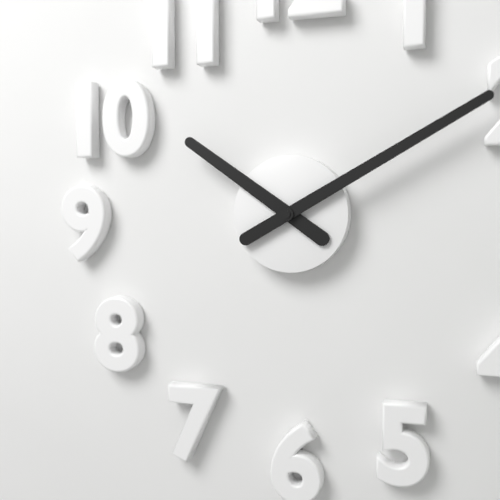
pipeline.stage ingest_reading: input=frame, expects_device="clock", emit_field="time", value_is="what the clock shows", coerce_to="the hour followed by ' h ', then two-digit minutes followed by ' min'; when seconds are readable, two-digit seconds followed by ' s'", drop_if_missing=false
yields 10 h 10 min
